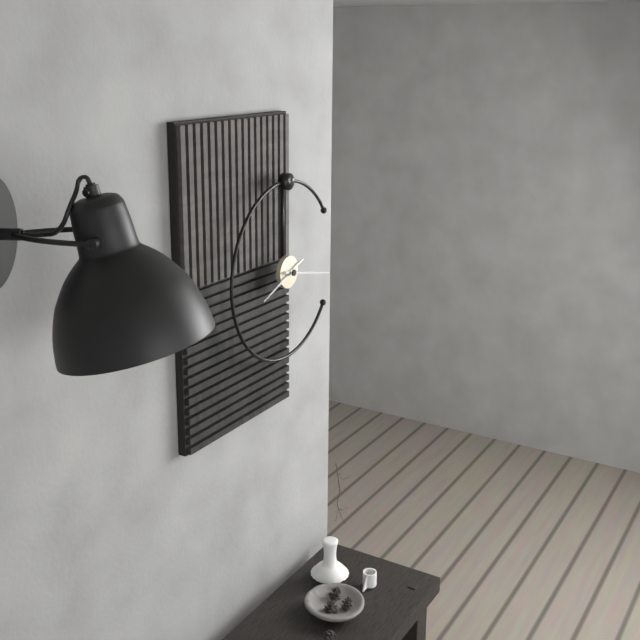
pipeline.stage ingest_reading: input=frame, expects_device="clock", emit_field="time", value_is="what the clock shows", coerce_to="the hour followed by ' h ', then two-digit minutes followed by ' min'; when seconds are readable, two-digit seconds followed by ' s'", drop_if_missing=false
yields 8 h 17 min
